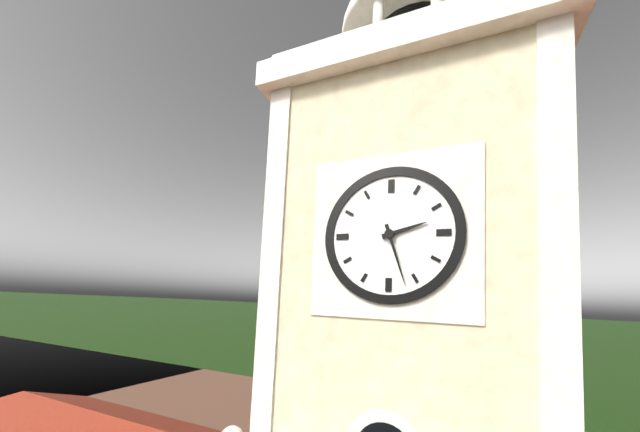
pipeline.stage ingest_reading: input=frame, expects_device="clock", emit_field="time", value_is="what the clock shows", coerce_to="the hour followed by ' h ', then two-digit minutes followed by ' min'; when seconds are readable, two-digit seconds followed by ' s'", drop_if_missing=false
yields 2 h 27 min
